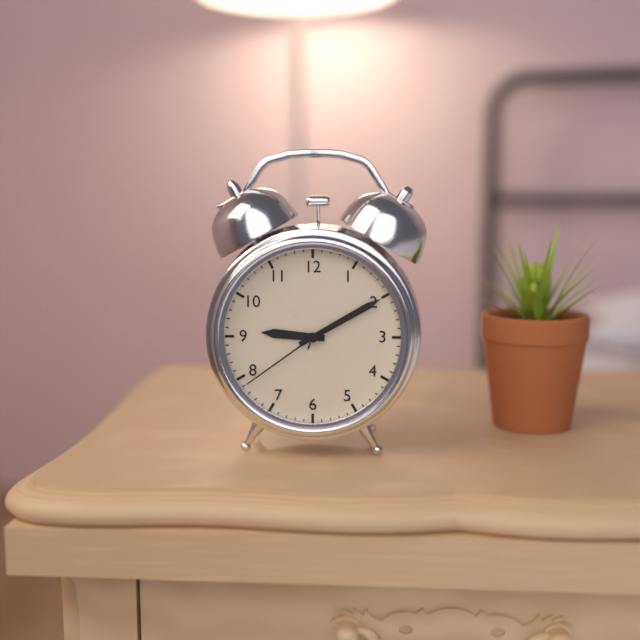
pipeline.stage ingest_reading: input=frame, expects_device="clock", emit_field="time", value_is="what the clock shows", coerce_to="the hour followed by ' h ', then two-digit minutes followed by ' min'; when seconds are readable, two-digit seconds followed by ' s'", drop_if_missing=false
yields 9 h 10 min 39 s
